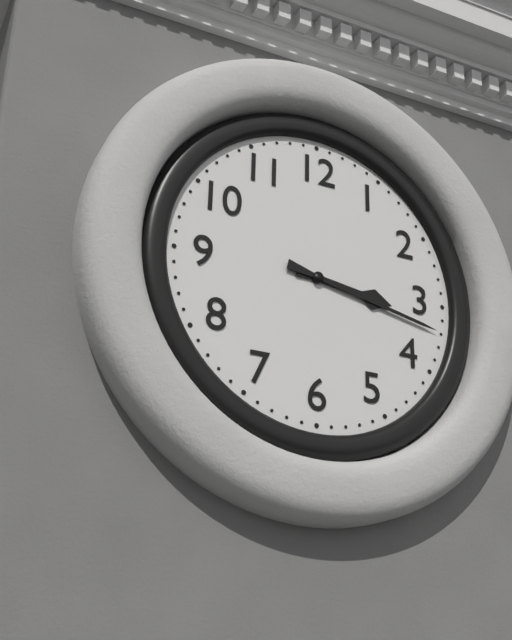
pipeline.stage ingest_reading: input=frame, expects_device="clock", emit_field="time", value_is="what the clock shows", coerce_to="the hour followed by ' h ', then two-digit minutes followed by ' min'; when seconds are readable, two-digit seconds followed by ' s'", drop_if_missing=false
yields 3 h 17 min
